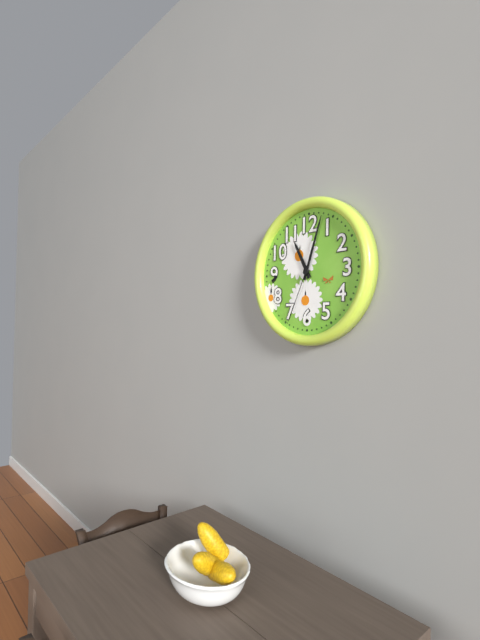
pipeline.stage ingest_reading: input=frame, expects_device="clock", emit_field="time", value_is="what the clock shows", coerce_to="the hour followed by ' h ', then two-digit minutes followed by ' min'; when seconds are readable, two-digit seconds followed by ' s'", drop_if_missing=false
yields 11 h 03 min 34 s
